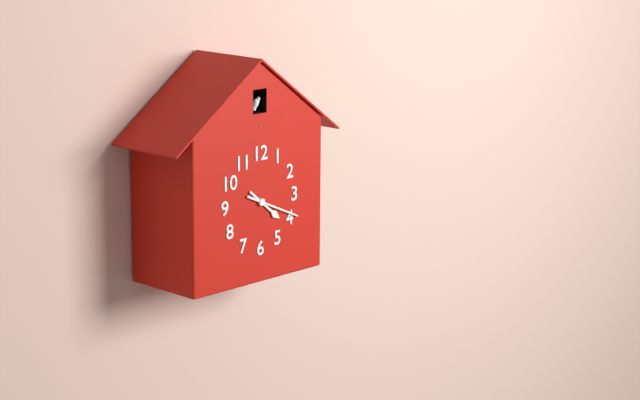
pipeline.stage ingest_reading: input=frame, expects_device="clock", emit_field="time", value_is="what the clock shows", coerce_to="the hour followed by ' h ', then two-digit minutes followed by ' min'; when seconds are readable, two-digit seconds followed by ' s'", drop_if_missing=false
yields 4 h 19 min
